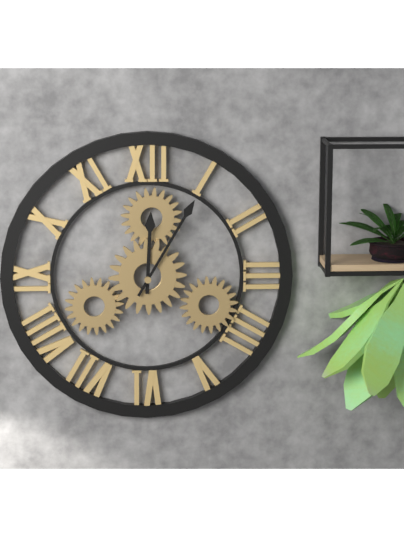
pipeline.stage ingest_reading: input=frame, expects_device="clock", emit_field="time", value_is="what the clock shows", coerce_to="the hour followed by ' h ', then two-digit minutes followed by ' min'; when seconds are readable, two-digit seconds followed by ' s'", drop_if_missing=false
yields 12 h 05 min
